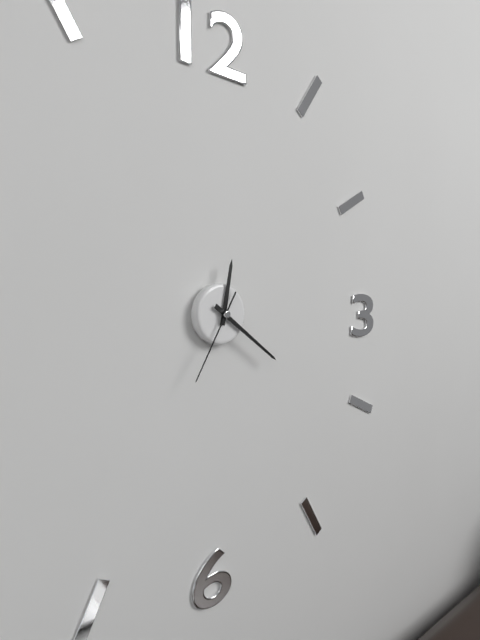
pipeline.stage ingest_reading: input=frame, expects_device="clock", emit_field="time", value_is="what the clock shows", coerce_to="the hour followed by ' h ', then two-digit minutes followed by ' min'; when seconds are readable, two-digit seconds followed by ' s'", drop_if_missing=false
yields 12 h 21 min 35 s
